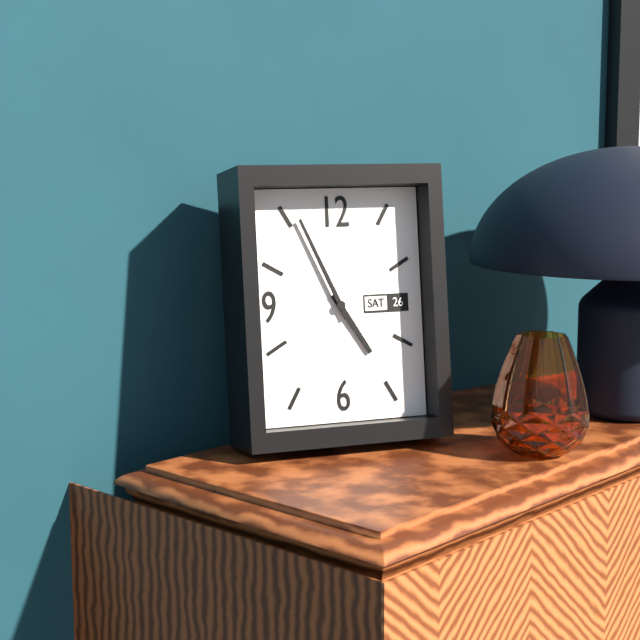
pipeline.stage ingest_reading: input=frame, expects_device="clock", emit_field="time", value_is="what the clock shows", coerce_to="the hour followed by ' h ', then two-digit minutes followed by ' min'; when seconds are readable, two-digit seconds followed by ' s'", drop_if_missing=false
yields 4 h 56 min
